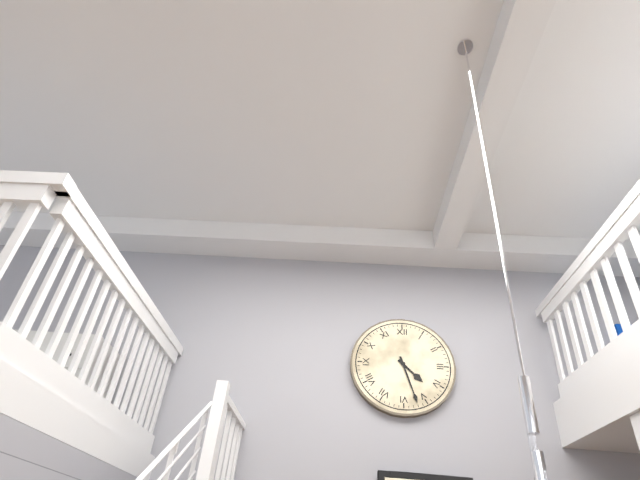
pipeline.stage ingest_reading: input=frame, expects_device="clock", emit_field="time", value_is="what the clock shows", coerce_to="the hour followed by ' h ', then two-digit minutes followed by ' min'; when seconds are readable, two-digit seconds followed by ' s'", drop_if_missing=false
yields 4 h 27 min
